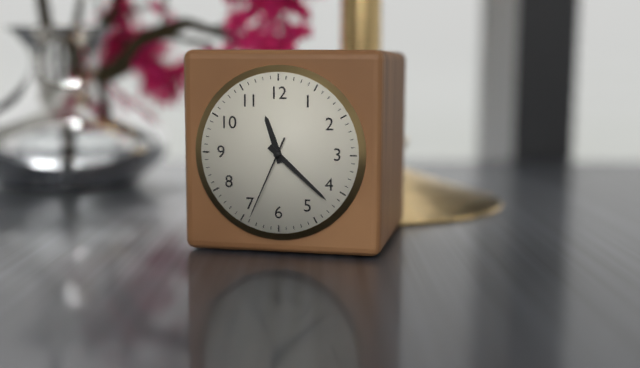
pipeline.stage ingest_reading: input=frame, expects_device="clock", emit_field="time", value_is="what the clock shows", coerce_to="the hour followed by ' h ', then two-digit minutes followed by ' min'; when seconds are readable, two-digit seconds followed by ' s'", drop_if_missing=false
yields 11 h 22 min 34 s
